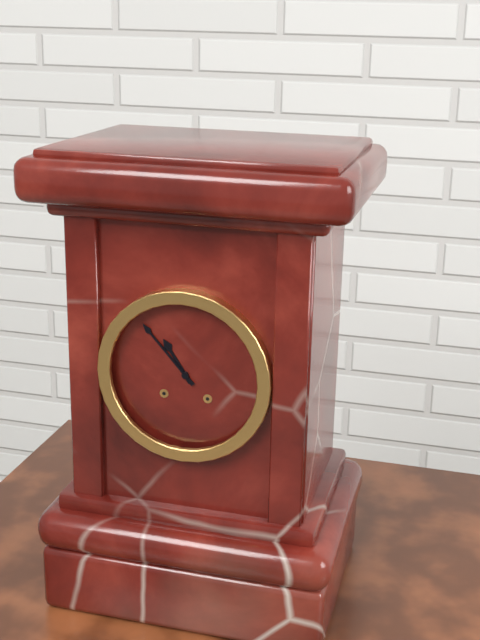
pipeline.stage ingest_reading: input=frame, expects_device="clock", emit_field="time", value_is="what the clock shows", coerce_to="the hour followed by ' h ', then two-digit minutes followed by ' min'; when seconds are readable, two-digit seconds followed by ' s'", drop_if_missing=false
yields 10 h 53 min
